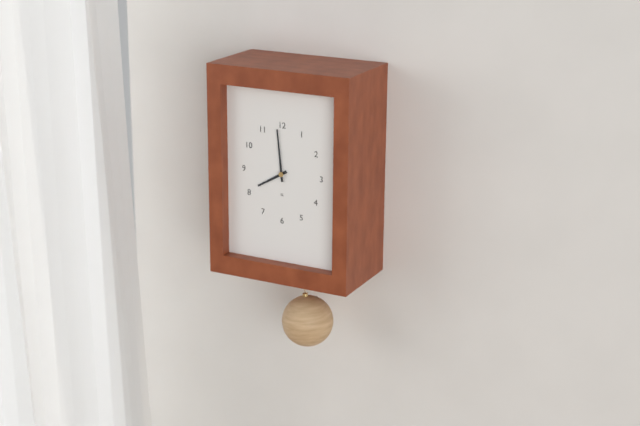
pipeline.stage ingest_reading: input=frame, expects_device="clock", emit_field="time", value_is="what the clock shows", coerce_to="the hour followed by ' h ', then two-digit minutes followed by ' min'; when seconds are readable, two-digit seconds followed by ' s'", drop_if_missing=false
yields 7 h 59 min
